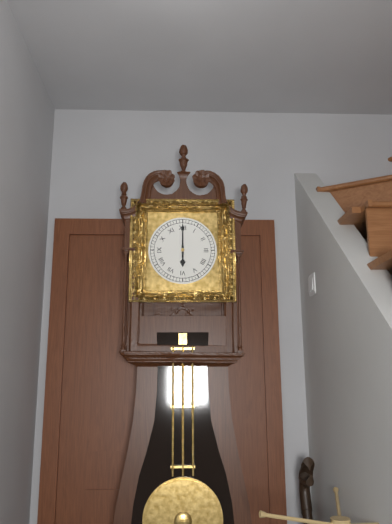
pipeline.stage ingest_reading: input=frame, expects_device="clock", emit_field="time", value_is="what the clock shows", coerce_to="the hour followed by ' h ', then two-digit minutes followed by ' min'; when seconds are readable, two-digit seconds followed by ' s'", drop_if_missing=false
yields 6 h 00 min
